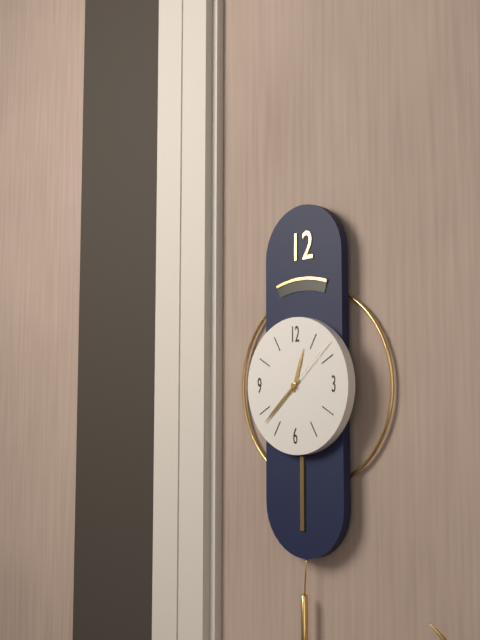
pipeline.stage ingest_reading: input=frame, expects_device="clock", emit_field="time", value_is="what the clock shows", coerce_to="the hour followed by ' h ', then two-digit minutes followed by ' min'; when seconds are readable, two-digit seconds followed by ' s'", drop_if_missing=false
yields 12 h 38 min 08 s
